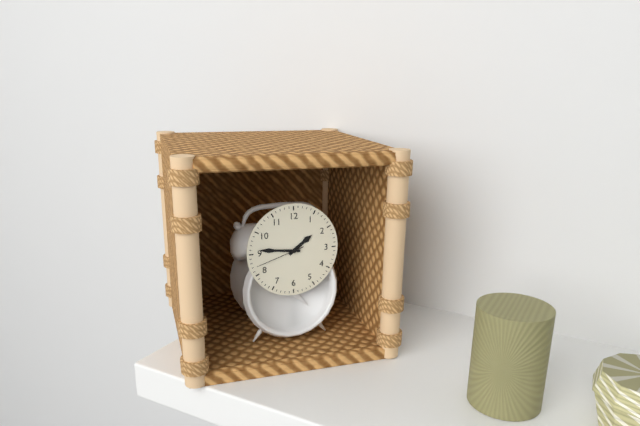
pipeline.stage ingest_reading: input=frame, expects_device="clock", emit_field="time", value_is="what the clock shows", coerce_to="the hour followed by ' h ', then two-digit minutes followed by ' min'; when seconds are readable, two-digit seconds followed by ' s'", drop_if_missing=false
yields 1 h 46 min
